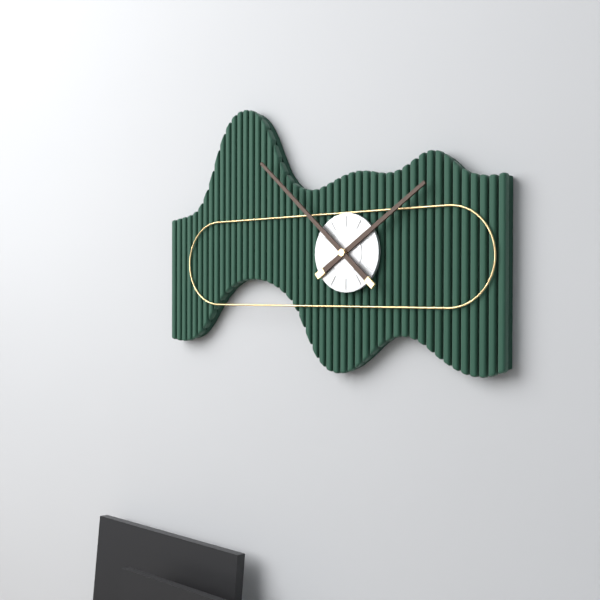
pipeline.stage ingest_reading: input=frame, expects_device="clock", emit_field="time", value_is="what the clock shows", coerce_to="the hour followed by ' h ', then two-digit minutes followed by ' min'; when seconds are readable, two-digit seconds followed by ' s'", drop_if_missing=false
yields 1 h 52 min
